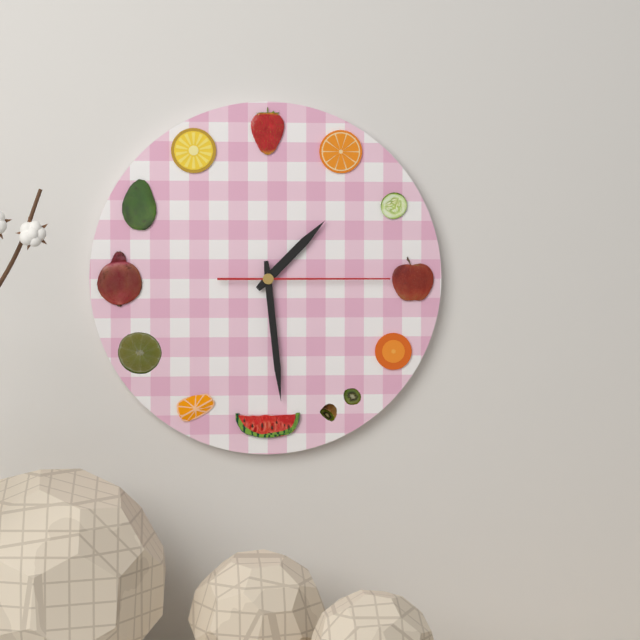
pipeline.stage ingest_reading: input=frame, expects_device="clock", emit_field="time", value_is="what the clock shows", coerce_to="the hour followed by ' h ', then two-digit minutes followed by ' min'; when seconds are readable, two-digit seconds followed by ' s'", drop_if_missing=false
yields 1 h 29 min 15 s
